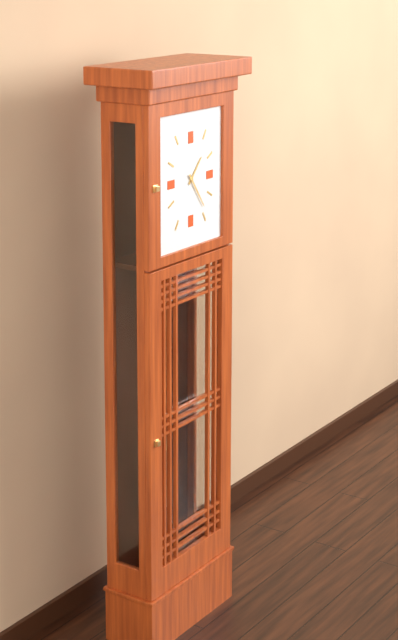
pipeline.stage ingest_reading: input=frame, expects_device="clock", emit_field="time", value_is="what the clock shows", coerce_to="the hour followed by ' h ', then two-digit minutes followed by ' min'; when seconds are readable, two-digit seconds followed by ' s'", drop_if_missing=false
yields 1 h 24 min
